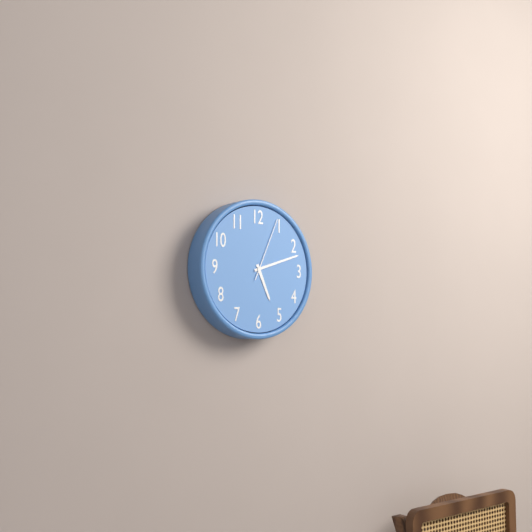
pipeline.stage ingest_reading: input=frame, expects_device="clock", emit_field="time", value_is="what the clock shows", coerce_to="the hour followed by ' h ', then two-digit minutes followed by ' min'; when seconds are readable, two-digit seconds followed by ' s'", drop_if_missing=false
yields 5 h 12 min 04 s
